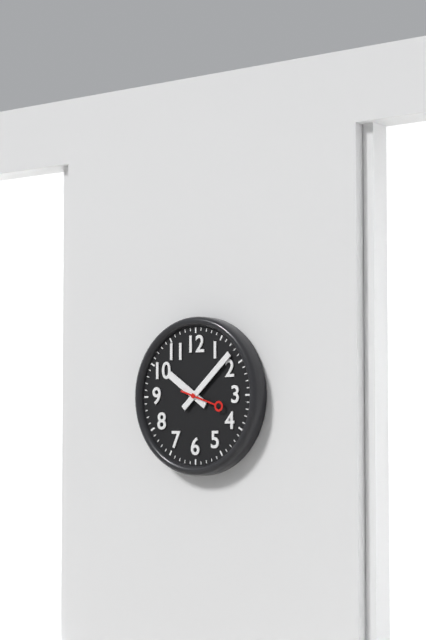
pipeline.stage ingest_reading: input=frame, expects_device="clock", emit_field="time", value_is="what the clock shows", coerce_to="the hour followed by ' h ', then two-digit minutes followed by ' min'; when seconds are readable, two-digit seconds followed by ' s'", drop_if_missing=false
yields 10 h 08 min
